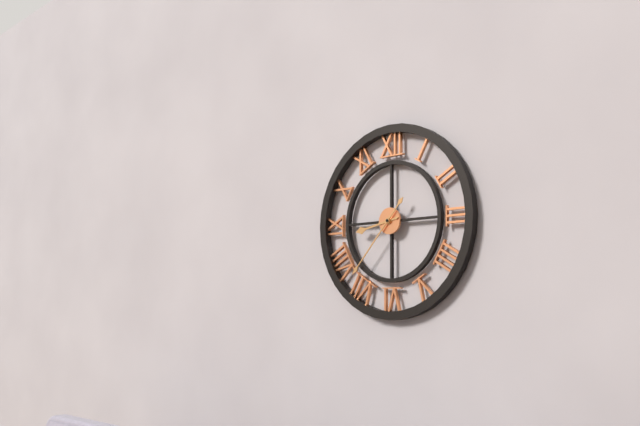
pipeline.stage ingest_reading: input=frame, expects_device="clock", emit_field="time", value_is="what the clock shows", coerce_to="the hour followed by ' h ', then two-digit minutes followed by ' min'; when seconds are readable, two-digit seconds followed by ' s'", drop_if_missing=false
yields 8 h 37 min
